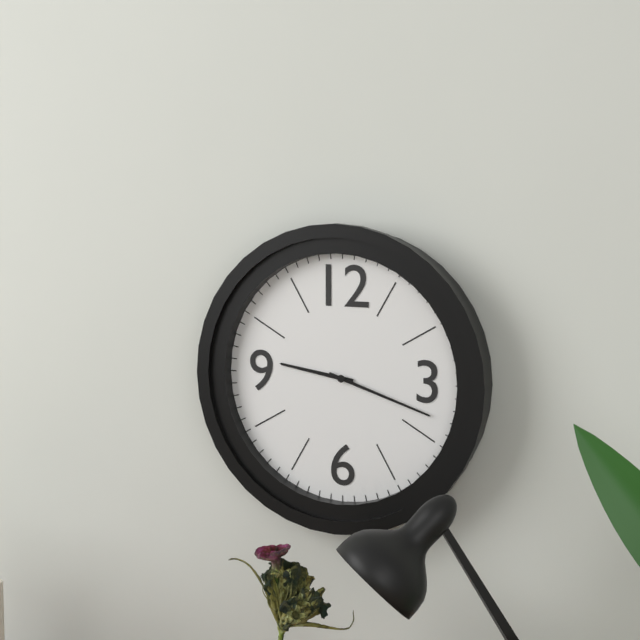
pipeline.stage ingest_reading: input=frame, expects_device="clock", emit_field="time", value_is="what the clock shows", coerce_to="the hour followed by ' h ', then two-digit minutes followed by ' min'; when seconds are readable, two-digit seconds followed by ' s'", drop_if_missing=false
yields 9 h 18 min
